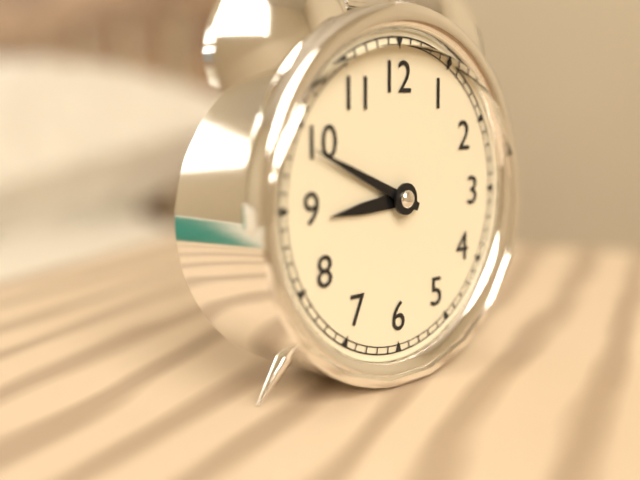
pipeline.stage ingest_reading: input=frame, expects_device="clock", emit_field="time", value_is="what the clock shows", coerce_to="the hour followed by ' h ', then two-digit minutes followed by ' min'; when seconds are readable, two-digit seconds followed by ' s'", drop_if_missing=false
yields 8 h 49 min
